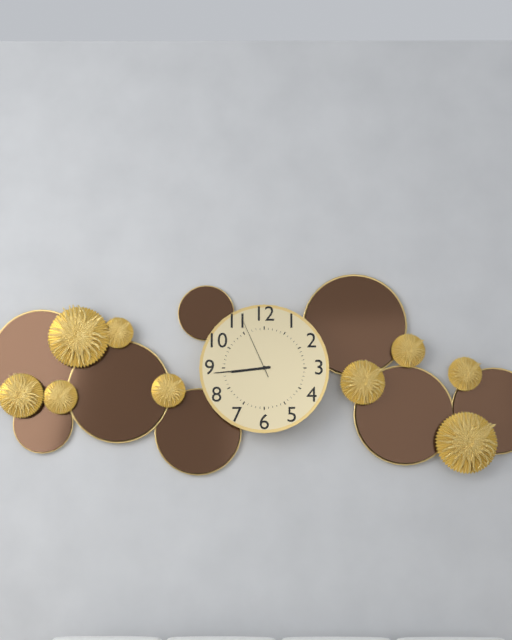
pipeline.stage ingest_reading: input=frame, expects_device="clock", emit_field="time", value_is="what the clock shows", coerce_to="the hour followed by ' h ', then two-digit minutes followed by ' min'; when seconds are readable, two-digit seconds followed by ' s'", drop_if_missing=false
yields 8 h 44 min 56 s
